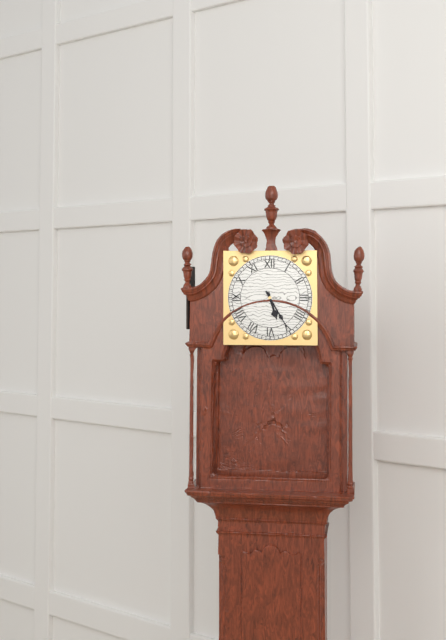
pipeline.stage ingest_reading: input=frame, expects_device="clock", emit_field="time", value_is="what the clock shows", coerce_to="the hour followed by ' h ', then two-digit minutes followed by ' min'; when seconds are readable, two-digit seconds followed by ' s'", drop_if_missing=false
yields 5 h 25 min
